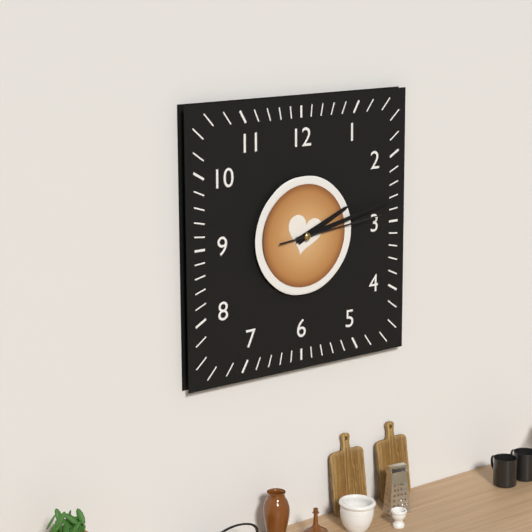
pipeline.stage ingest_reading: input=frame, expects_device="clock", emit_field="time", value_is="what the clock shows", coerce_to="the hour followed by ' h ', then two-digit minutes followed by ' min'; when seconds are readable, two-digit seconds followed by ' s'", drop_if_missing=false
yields 2 h 13 min 14 s
